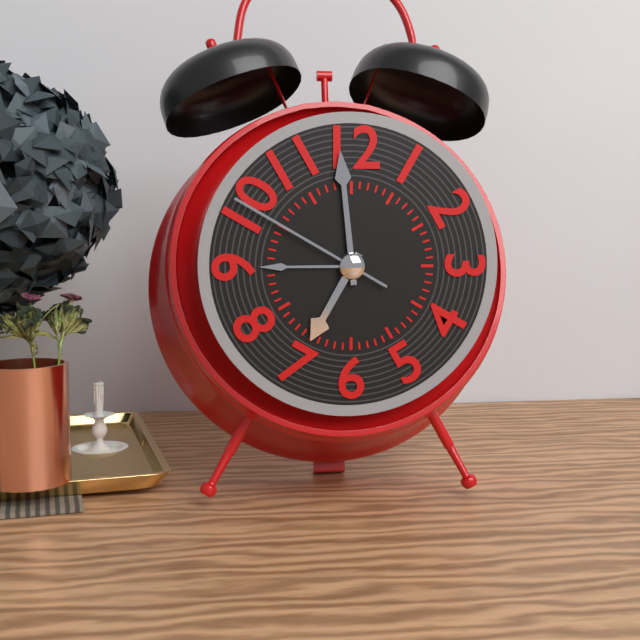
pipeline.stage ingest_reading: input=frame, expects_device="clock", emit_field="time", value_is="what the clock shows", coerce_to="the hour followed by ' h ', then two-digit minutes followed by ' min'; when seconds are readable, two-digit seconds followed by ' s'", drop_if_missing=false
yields 6 h 59 min 50 s
